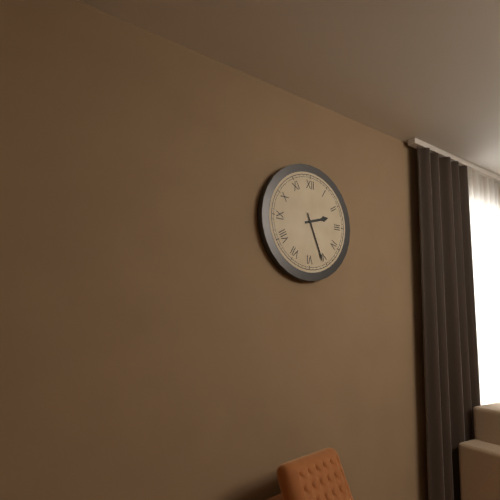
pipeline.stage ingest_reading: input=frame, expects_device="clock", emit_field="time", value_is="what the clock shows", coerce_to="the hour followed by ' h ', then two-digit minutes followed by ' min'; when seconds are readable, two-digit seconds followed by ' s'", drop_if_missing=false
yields 2 h 26 min
